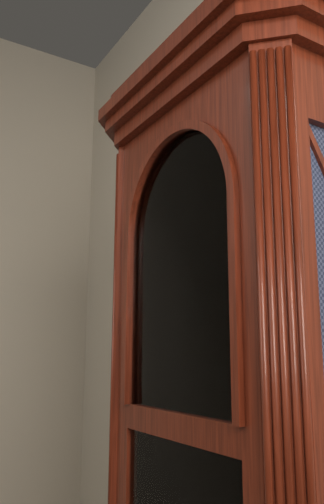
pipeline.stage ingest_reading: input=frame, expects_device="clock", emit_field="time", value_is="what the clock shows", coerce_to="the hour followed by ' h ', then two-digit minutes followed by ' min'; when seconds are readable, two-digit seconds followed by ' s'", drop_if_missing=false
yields 2 h 04 min
